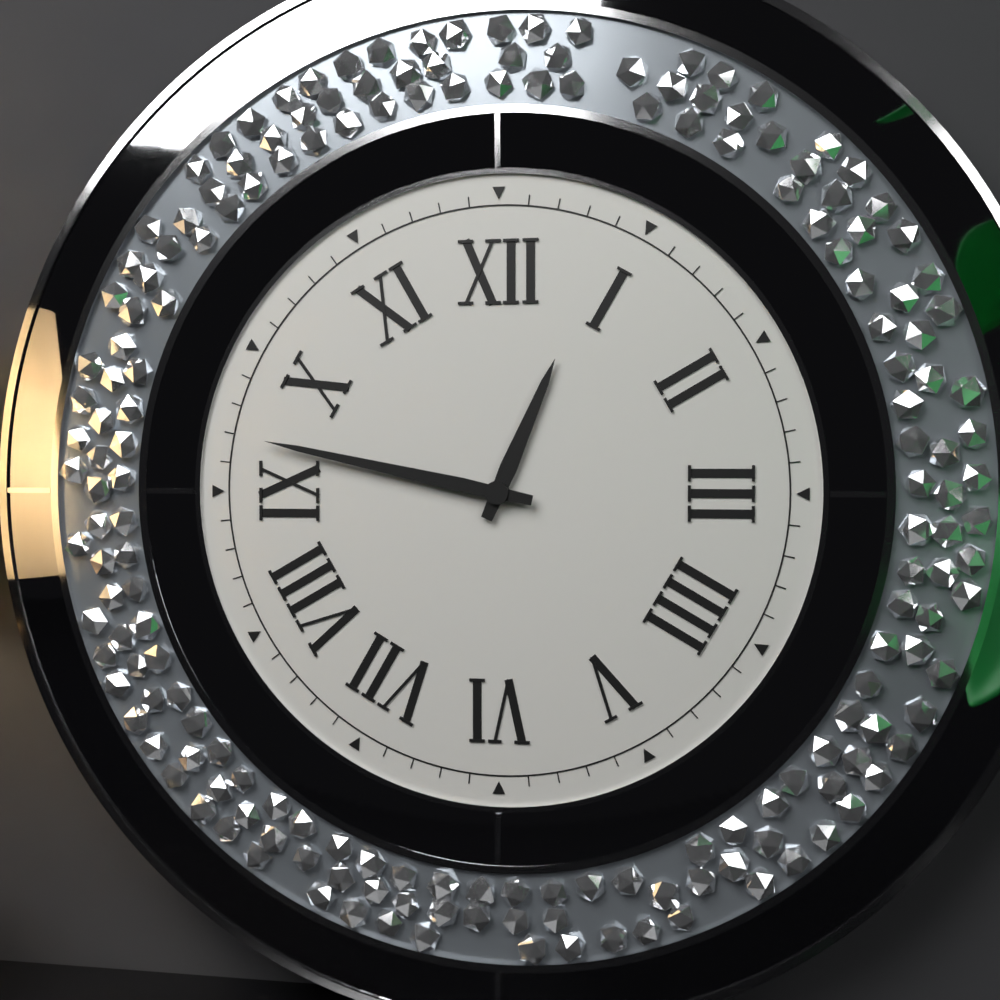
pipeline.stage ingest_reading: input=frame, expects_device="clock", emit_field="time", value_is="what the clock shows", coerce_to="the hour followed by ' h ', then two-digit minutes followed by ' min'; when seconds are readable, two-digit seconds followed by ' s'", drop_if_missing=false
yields 12 h 47 min
